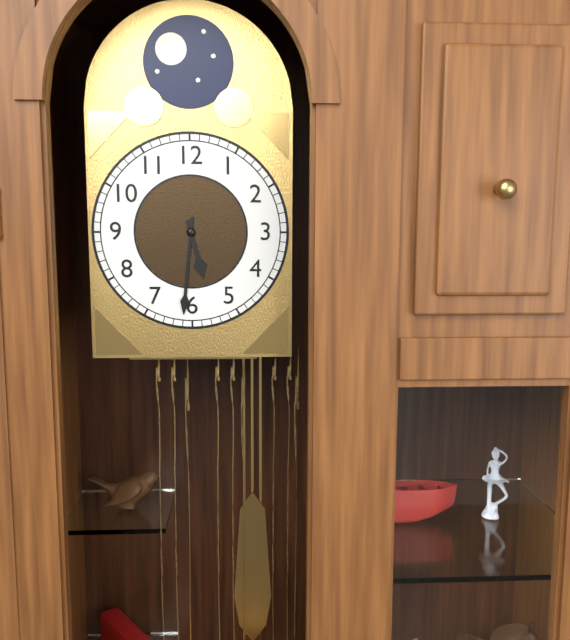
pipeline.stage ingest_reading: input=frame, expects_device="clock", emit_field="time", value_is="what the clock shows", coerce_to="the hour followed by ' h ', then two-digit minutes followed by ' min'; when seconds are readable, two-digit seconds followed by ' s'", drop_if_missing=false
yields 5 h 31 min
